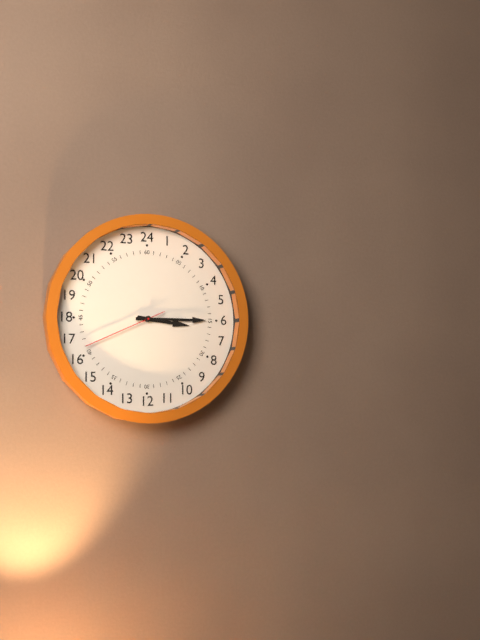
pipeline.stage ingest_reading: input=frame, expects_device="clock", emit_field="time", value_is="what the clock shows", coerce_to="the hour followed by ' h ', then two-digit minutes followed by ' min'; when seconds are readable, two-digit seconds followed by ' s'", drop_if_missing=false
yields 3 h 15 min 41 s
